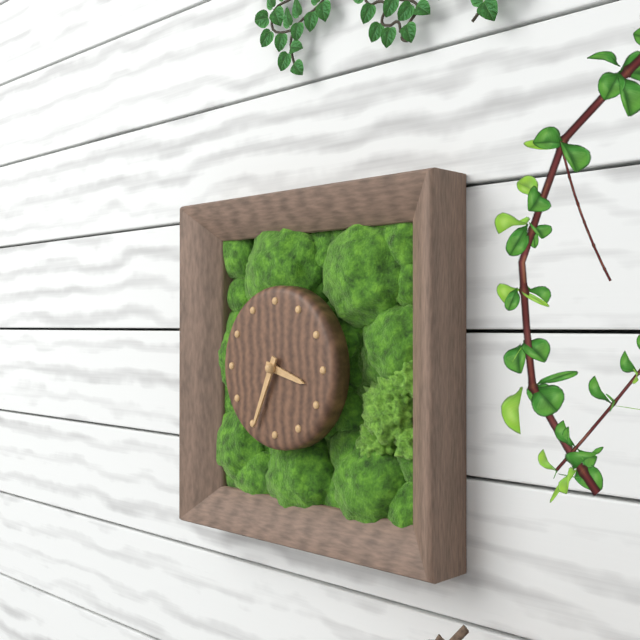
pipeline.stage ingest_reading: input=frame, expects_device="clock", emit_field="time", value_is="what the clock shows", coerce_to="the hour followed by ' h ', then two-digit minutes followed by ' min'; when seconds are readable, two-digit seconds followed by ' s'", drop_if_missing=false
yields 3 h 34 min
